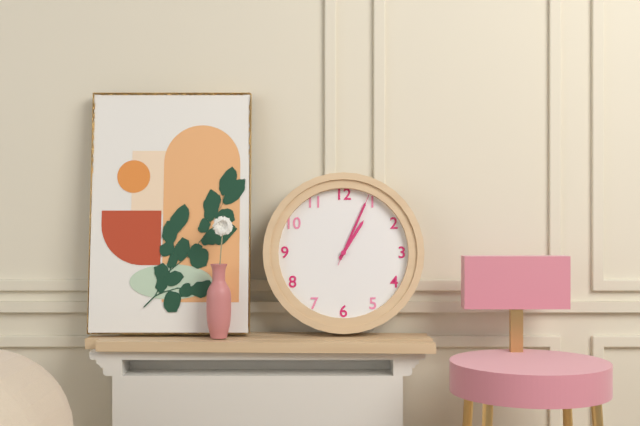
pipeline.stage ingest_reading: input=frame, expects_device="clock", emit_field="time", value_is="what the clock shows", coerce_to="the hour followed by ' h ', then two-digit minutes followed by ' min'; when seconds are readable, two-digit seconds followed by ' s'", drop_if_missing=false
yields 1 h 04 min 04 s
